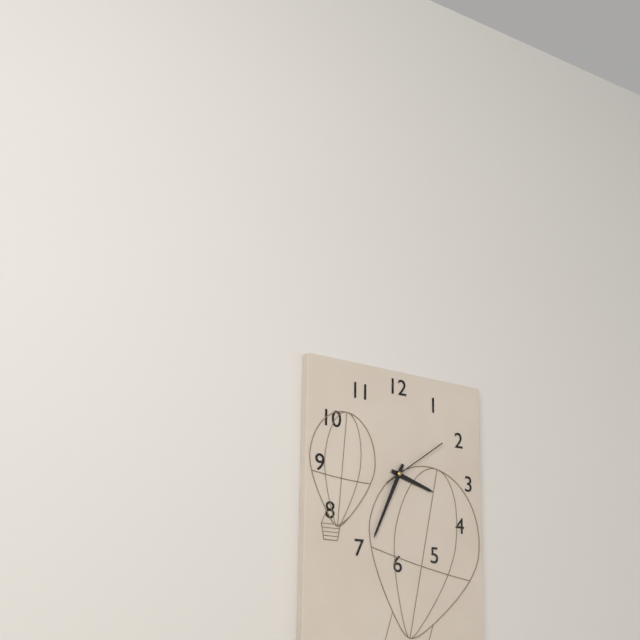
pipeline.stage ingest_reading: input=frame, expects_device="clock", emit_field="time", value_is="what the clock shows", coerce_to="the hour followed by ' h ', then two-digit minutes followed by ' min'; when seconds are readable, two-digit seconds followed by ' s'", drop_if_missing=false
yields 3 h 34 min 09 s
